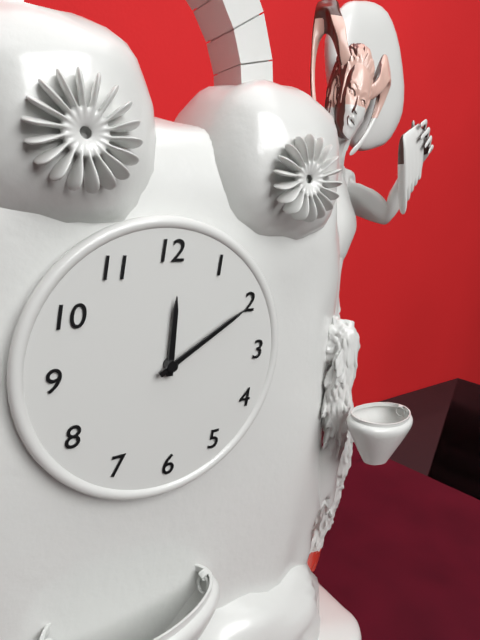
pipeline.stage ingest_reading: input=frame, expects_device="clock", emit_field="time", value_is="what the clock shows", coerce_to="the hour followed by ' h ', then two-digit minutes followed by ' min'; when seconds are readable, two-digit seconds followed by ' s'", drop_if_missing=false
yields 12 h 10 min
